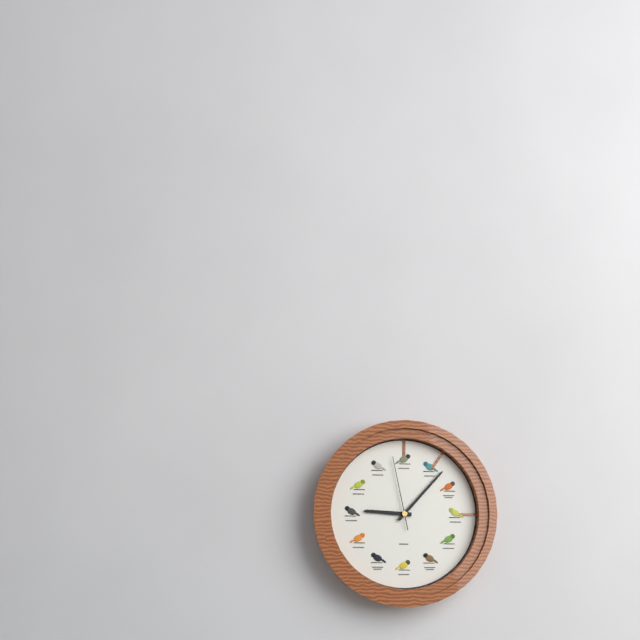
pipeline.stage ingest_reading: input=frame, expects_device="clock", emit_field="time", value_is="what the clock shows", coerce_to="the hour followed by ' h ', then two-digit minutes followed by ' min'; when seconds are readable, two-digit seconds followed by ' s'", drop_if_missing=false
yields 9 h 07 min 58 s
